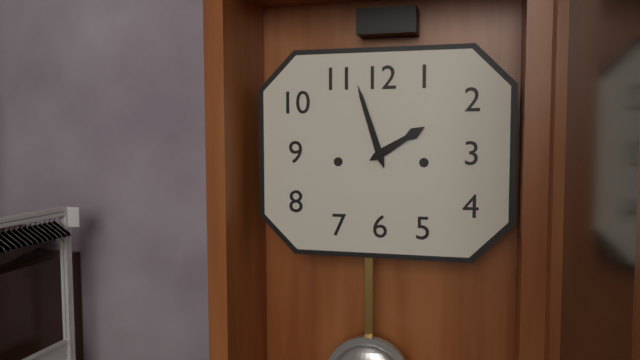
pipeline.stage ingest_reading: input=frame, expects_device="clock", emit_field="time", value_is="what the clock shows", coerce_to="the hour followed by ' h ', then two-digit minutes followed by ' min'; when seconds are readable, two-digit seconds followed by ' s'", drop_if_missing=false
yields 1 h 57 min
